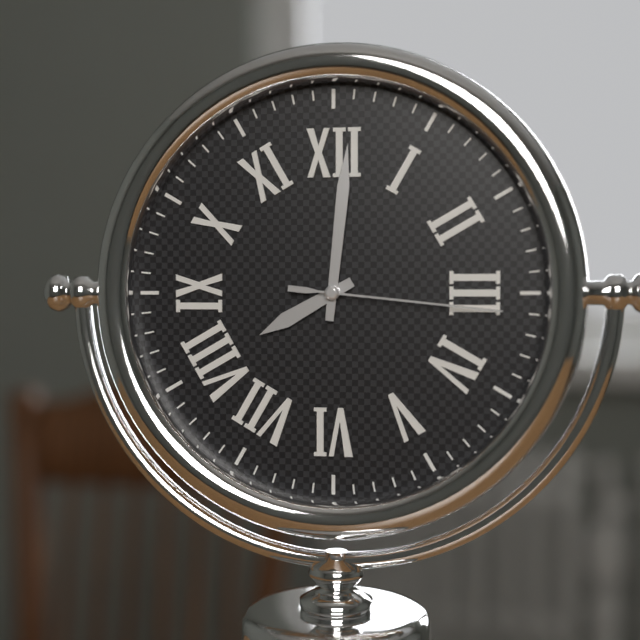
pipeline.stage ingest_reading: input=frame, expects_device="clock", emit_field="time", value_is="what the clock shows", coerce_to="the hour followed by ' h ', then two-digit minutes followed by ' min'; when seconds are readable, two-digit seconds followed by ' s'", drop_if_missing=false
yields 8 h 01 min 16 s
